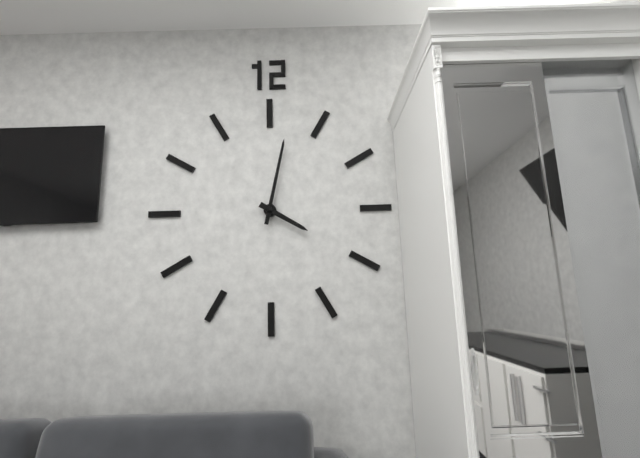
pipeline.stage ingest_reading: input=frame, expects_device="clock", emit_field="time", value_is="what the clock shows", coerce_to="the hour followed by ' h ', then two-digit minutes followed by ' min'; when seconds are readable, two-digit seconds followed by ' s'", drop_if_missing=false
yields 4 h 02 min
